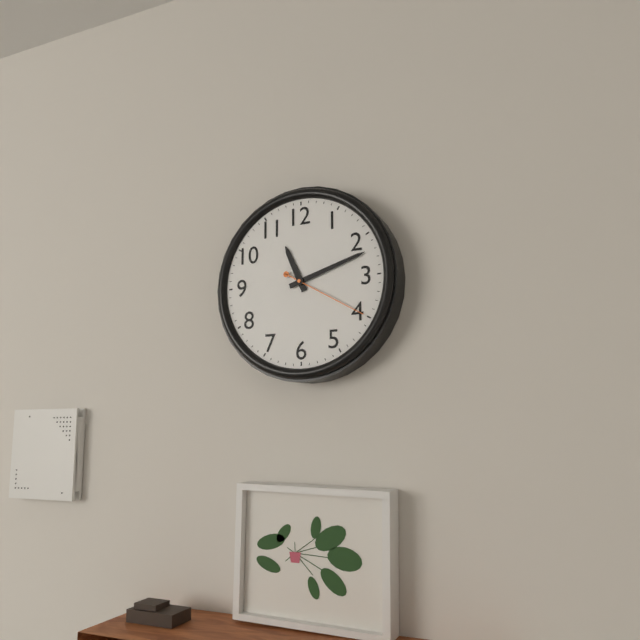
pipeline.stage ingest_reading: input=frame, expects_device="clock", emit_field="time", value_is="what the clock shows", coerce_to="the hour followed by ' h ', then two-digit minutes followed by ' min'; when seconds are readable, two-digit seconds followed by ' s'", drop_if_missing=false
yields 11 h 12 min 20 s
